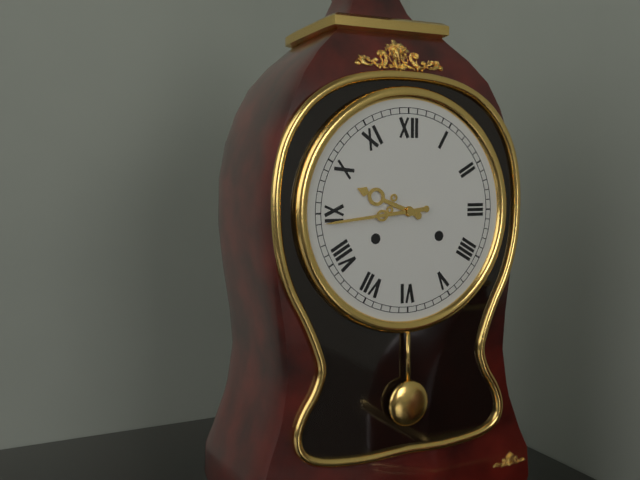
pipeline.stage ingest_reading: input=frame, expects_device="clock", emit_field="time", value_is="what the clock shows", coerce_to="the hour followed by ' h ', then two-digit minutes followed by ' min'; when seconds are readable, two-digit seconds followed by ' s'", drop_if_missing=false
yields 9 h 44 min
